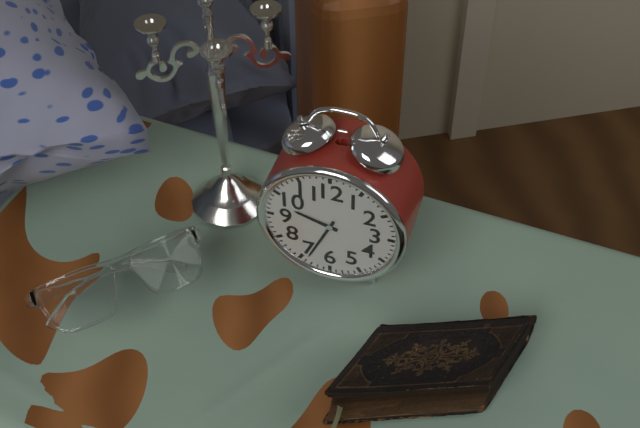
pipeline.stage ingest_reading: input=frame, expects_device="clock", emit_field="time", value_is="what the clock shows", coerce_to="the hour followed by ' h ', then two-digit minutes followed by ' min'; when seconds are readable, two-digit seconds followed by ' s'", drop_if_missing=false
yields 9 h 34 min
